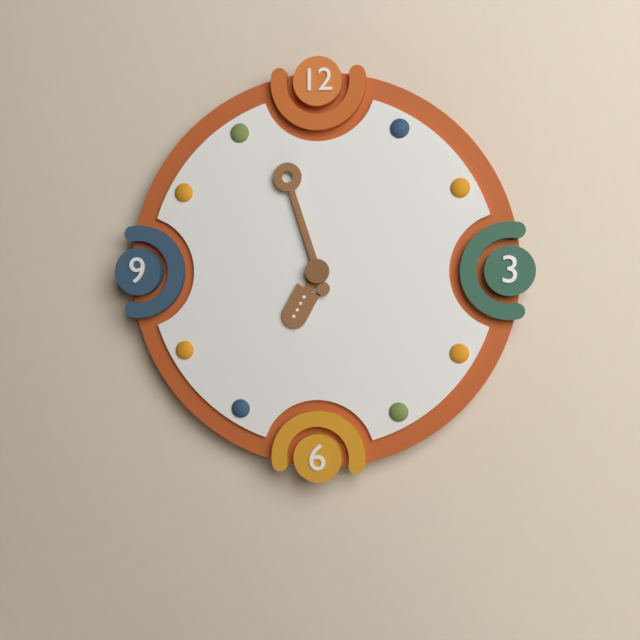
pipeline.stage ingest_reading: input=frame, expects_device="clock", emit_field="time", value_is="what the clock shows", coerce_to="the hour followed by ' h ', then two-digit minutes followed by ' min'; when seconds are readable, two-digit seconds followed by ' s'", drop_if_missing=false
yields 6 h 57 min
